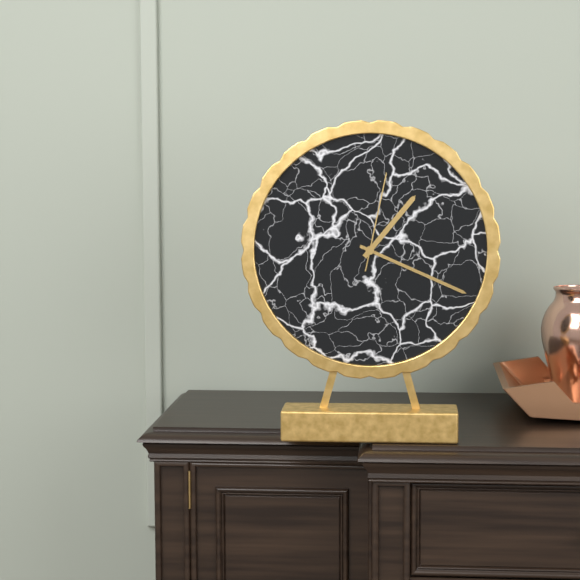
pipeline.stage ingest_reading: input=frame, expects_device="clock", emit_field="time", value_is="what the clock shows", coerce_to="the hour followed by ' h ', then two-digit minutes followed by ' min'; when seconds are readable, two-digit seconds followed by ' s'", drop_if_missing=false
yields 1 h 19 min 02 s
